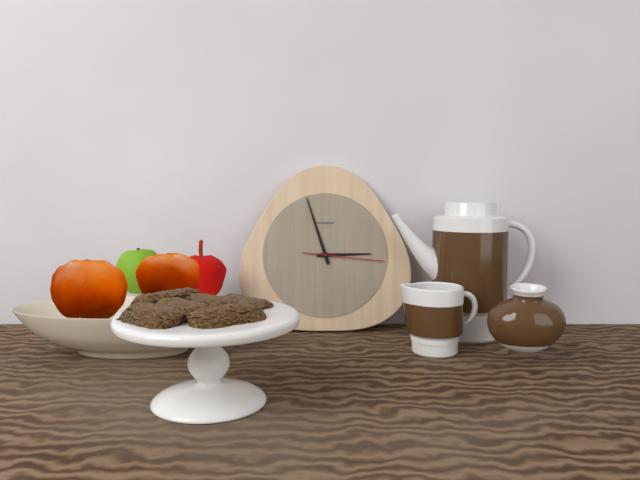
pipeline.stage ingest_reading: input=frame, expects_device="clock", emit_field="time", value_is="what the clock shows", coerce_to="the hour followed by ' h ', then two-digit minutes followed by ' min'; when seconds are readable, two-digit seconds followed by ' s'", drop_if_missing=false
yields 2 h 57 min 16 s
